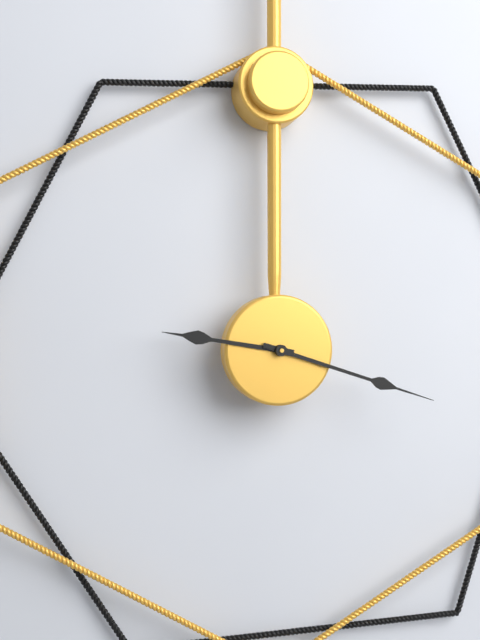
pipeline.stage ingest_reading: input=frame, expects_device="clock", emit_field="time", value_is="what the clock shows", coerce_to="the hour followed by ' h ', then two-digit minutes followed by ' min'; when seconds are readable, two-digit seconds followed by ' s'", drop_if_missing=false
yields 9 h 18 min
